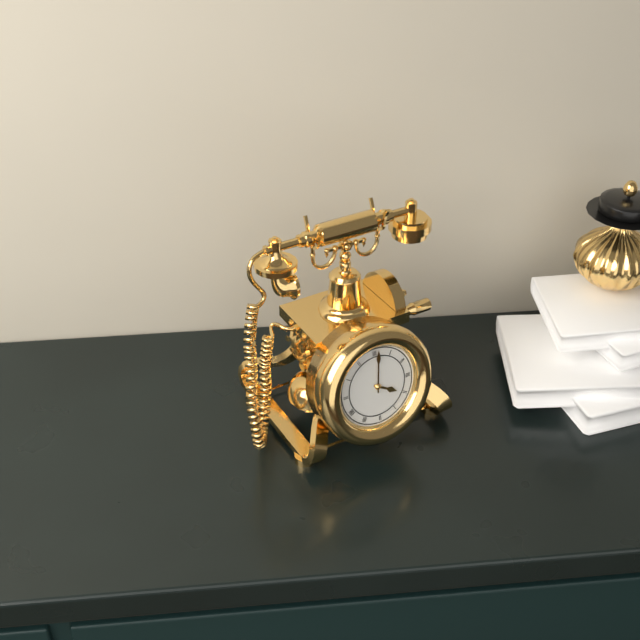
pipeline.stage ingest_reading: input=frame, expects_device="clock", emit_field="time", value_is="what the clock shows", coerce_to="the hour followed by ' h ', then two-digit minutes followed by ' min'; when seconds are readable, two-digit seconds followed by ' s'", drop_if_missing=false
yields 4 h 01 min
